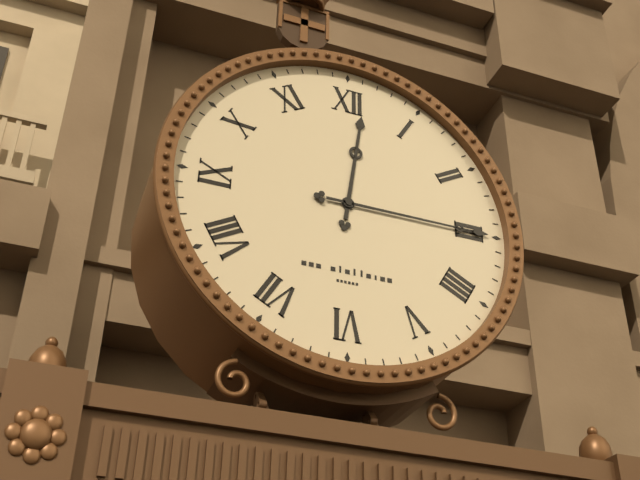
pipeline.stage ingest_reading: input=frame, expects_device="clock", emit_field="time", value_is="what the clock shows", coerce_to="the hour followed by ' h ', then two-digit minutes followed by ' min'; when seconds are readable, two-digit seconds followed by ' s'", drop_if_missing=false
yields 12 h 15 min
